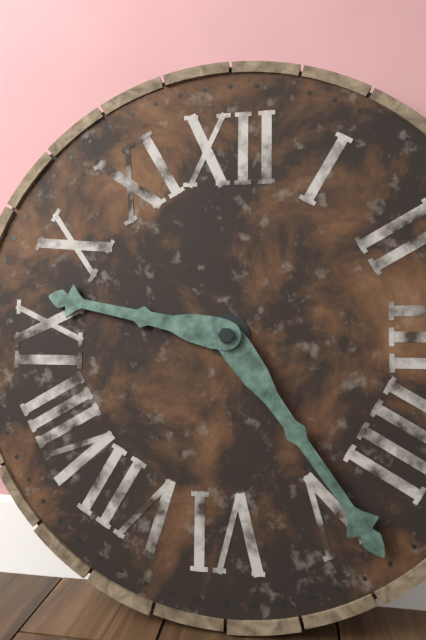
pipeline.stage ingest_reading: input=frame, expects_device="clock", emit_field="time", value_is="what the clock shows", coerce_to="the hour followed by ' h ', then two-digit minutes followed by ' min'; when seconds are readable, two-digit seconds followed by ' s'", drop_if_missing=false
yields 9 h 24 min
